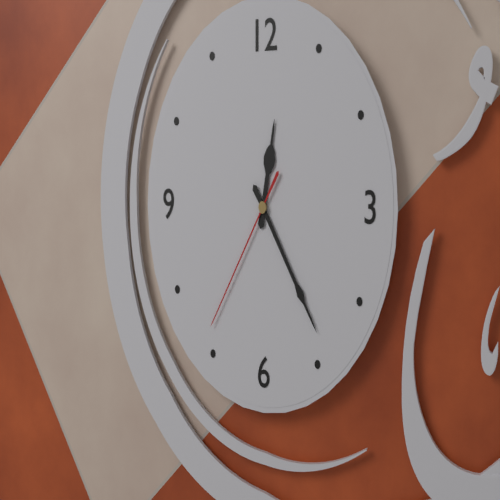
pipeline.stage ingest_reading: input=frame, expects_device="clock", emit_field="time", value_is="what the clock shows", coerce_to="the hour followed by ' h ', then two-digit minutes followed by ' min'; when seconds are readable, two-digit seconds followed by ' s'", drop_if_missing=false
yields 12 h 24 min 36 s
